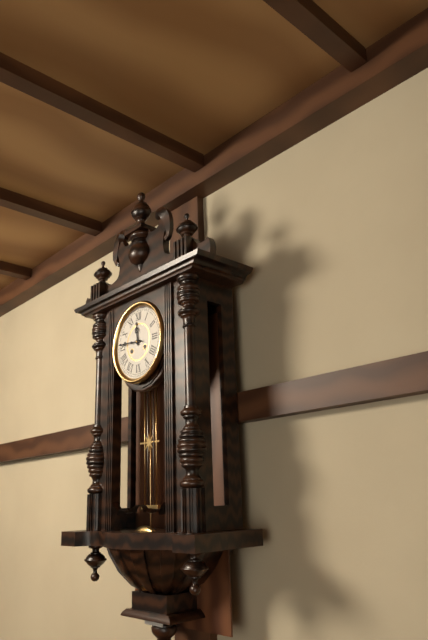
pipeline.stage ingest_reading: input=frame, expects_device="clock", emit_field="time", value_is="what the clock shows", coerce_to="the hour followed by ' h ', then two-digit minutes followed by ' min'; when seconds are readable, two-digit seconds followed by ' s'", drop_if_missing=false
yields 11 h 46 min
